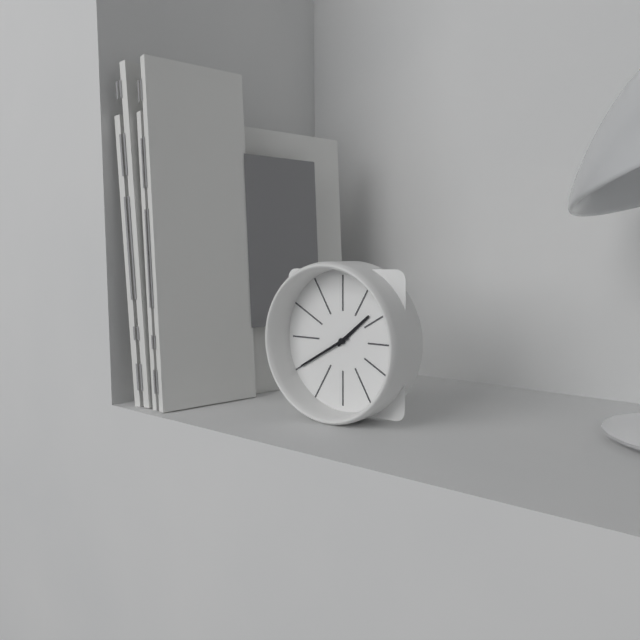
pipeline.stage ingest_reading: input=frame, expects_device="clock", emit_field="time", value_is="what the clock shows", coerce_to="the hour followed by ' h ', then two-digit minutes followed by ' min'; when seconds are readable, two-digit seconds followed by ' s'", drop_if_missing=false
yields 1 h 40 min
